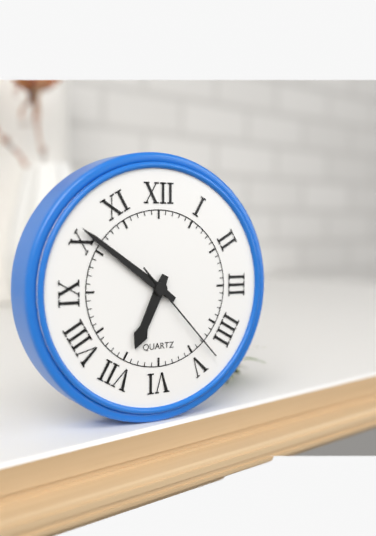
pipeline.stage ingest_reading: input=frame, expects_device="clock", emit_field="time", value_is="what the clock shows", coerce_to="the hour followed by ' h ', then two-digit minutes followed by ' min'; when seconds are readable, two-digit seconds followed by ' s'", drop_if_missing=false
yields 6 h 51 min 23 s
